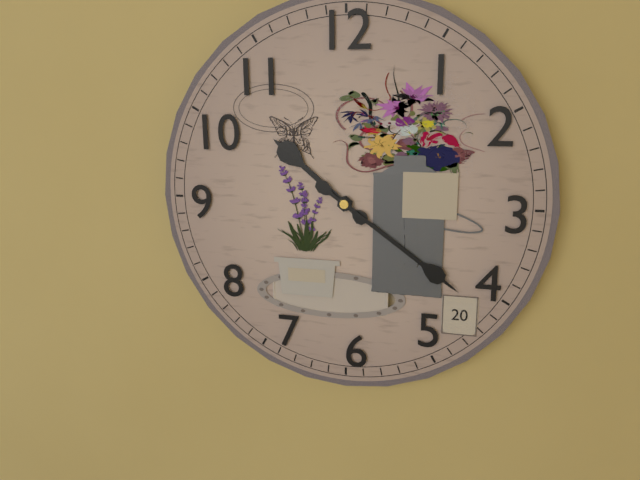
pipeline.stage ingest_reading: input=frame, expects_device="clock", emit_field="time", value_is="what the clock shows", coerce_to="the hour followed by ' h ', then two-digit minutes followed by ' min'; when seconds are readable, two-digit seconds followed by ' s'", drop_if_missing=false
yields 10 h 21 min
